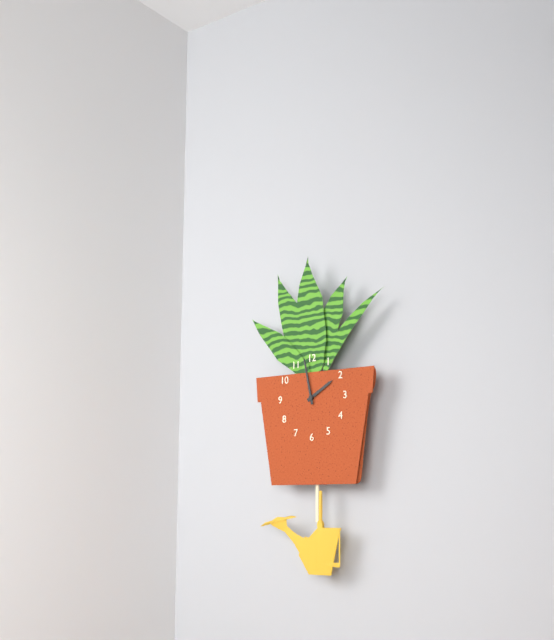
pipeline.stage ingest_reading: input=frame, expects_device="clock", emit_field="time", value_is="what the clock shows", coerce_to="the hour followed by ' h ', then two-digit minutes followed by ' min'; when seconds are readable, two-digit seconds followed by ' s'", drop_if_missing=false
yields 1 h 58 min
